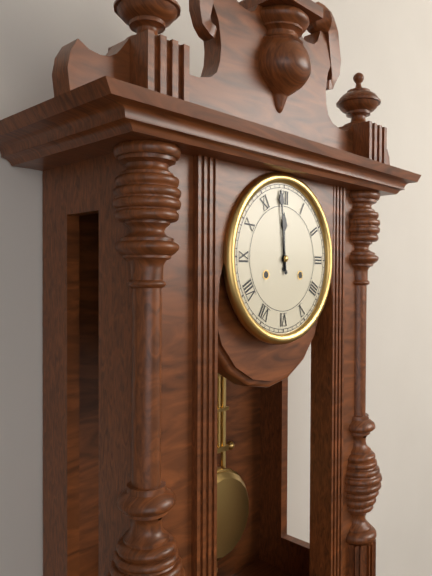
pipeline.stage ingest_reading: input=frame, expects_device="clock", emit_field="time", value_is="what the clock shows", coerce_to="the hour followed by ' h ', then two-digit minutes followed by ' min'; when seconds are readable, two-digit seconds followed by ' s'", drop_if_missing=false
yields 11 h 59 min
